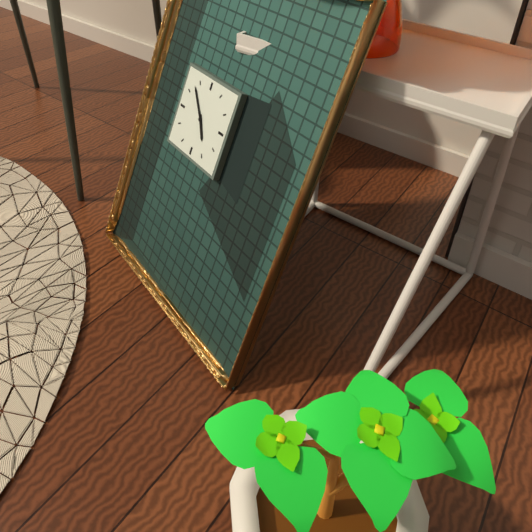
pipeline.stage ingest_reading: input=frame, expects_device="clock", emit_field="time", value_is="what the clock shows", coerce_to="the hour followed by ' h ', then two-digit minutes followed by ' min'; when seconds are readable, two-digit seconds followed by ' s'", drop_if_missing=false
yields 4 h 53 min
